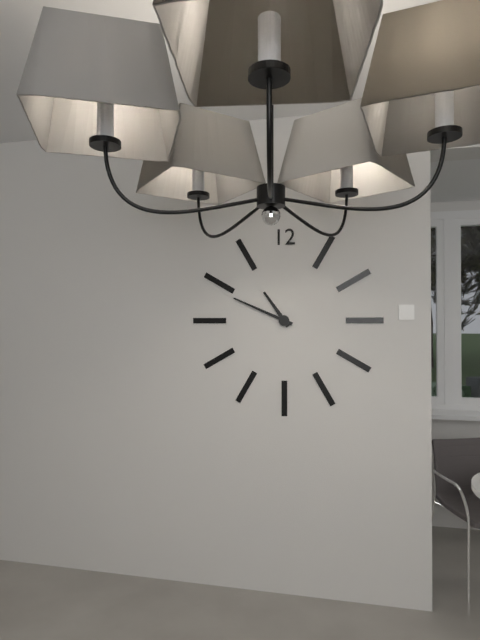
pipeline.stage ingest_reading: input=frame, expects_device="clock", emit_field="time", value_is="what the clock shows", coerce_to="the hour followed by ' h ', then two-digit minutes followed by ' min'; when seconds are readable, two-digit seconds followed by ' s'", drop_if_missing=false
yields 10 h 49 min
